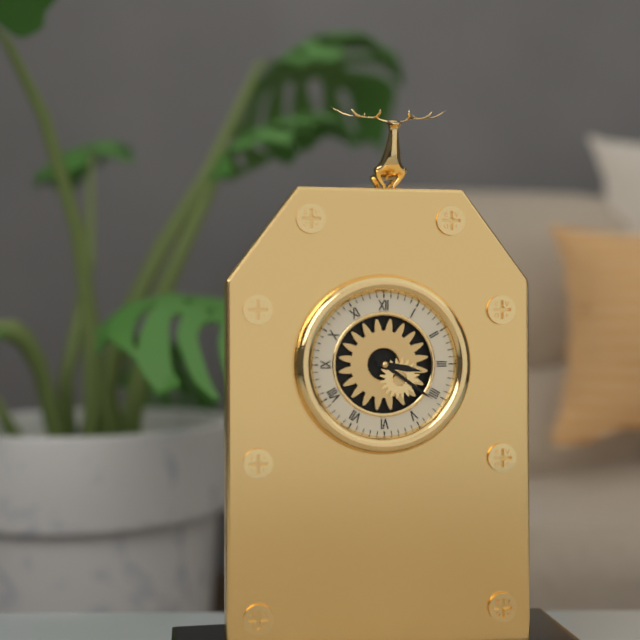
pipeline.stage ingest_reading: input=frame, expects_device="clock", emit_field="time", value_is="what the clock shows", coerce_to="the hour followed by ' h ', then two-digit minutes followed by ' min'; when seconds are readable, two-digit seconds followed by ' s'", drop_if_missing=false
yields 3 h 21 min
